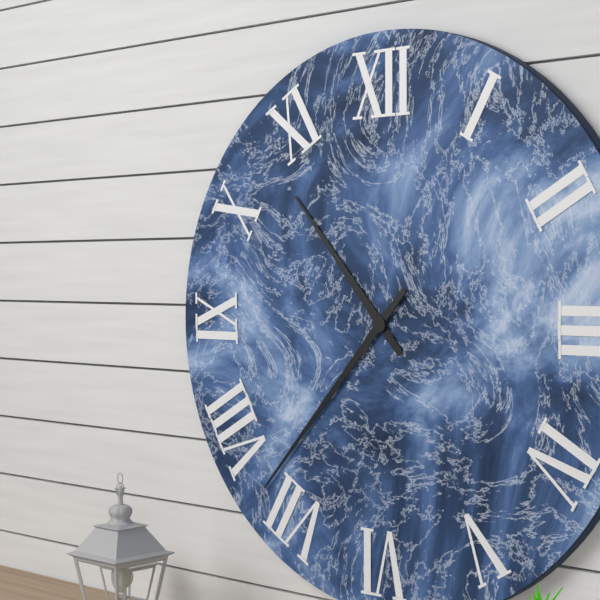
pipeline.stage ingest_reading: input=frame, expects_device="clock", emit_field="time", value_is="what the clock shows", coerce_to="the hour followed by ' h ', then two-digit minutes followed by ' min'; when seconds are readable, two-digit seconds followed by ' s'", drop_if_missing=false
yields 10 h 37 min
